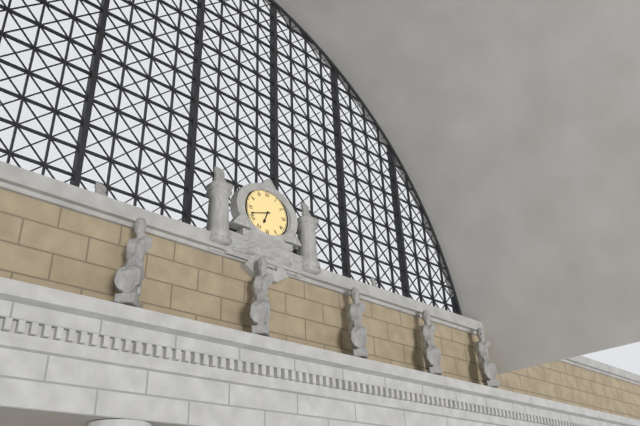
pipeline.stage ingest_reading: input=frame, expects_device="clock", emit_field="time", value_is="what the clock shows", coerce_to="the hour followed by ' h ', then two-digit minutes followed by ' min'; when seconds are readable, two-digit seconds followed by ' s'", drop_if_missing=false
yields 6 h 42 min
